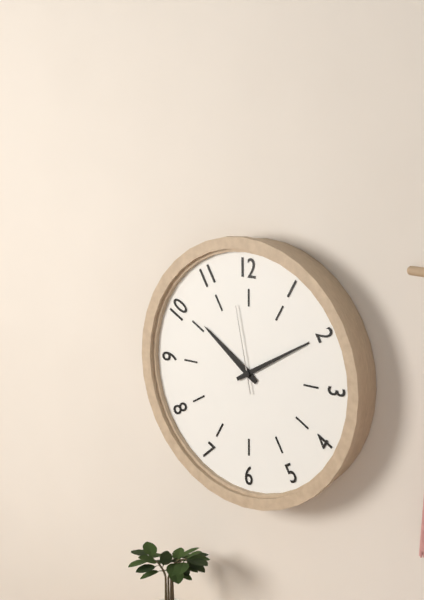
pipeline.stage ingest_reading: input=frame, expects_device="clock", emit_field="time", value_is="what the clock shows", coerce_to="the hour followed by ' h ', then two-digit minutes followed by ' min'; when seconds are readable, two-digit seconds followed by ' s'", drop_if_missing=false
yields 10 h 10 min 58 s
